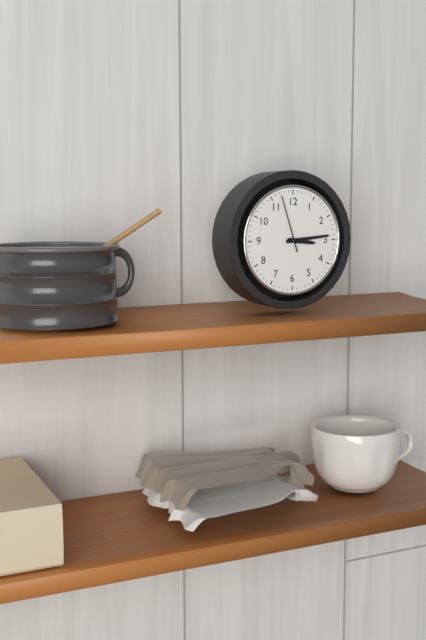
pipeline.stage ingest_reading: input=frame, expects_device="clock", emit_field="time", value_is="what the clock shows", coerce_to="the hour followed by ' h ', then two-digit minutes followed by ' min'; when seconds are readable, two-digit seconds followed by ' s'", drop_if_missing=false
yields 3 h 14 min 57 s
